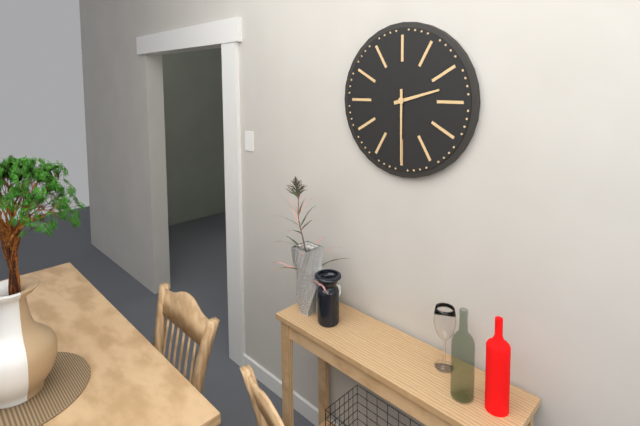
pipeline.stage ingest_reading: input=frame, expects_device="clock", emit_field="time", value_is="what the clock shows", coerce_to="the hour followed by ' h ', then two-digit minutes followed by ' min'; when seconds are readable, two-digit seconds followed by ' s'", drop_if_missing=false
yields 2 h 30 min
